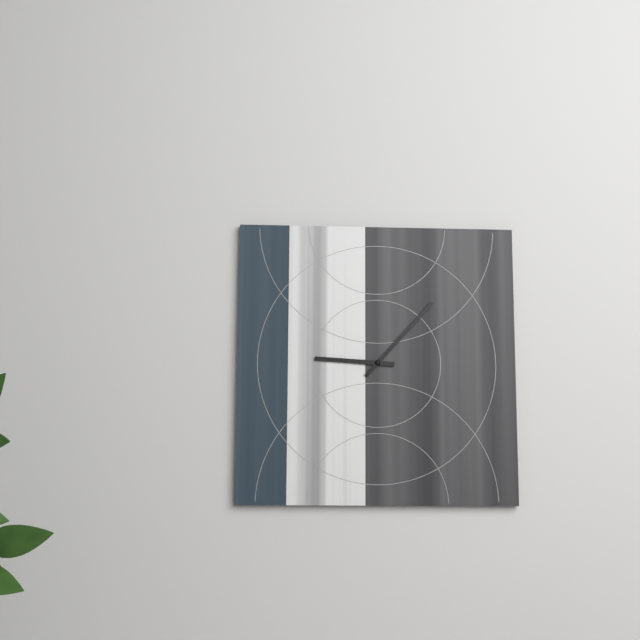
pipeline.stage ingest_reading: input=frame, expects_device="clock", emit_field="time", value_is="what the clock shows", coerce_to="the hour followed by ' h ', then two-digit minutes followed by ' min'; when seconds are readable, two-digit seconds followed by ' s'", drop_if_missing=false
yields 9 h 07 min
